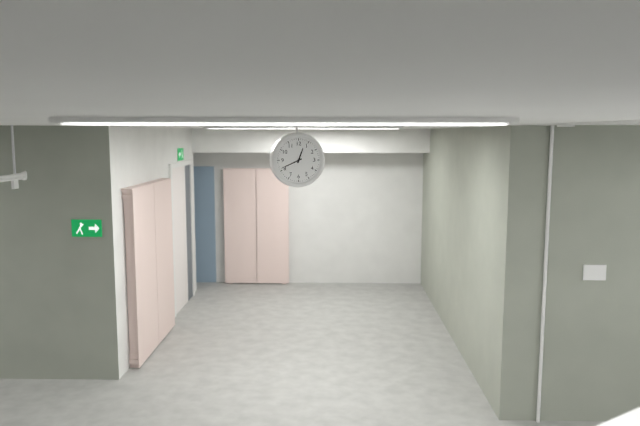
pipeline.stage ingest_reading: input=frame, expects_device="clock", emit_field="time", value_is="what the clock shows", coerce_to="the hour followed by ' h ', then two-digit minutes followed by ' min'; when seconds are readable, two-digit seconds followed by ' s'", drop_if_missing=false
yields 12 h 41 min
